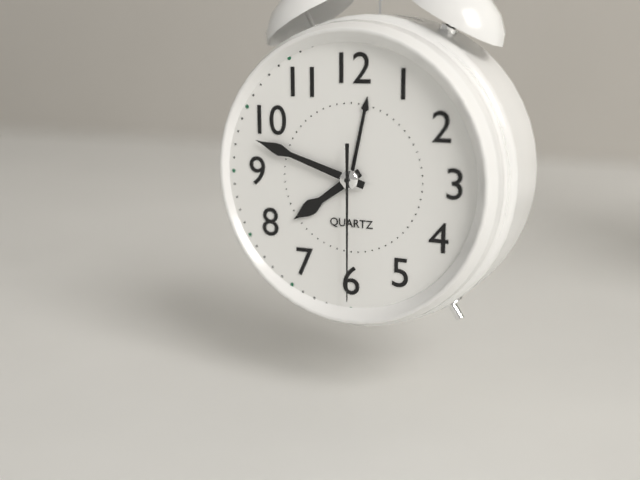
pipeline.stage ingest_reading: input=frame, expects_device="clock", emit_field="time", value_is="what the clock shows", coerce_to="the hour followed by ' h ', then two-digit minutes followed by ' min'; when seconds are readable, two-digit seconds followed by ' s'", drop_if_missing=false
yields 7 h 48 min 30 s
